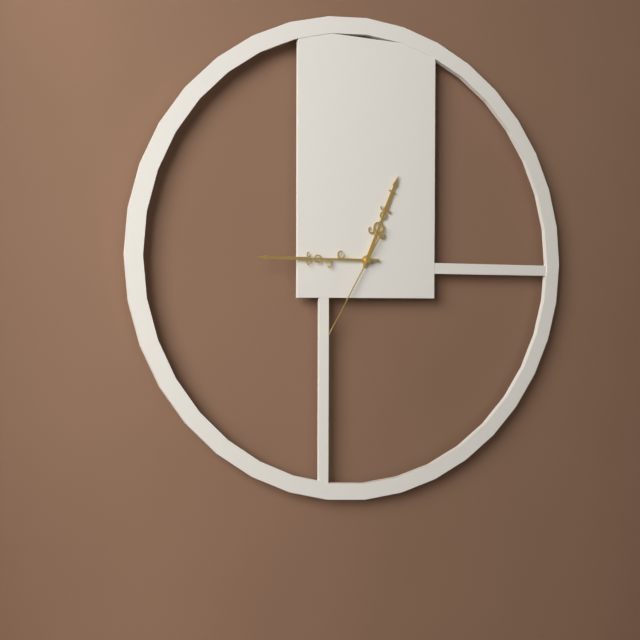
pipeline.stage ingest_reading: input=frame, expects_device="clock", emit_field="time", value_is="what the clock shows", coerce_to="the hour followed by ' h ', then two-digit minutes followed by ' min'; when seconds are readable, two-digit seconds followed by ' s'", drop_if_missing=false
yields 12 h 45 min 35 s
